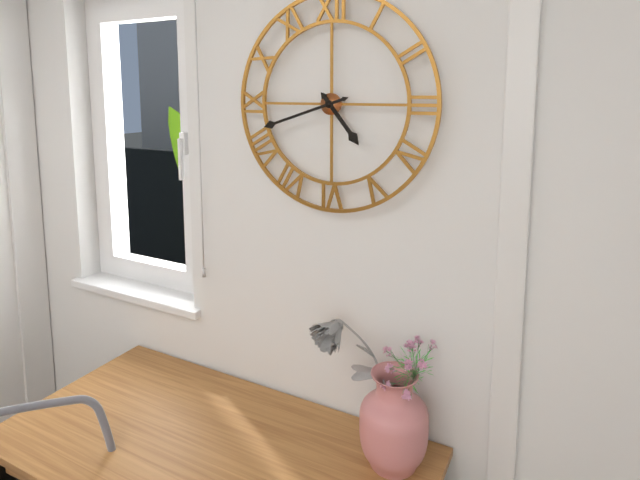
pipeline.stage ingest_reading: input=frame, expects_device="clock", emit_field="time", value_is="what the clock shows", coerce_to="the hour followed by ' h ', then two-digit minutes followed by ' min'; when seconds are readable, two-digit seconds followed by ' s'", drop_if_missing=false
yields 4 h 42 min
